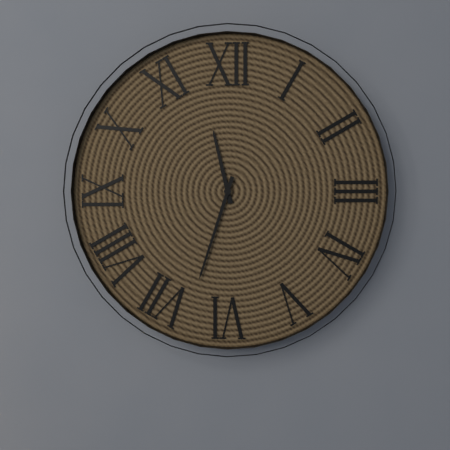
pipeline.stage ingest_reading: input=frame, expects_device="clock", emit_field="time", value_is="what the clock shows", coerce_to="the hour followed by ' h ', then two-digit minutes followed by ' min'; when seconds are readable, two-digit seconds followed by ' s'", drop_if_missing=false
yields 11 h 33 min
